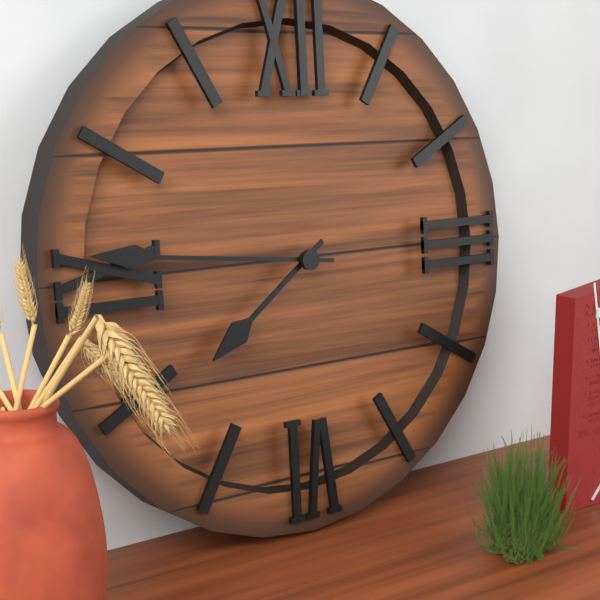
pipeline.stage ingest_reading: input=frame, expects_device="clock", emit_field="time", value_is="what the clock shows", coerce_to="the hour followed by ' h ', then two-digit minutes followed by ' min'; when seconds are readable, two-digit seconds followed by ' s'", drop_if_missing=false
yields 7 h 46 min
